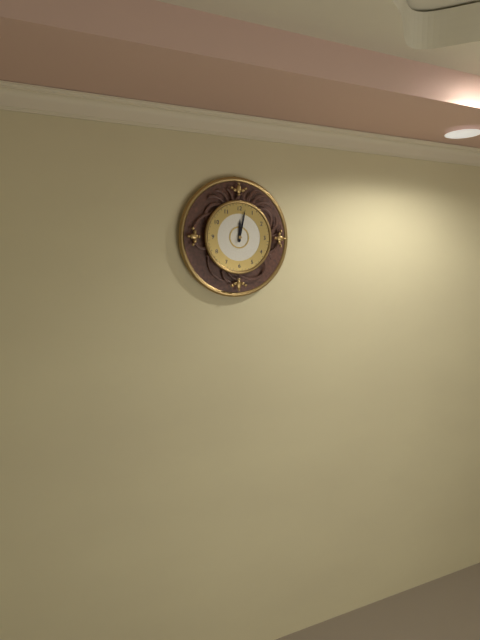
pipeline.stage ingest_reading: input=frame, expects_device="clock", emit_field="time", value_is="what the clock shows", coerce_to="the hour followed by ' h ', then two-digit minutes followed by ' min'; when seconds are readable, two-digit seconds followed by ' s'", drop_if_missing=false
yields 12 h 02 min
